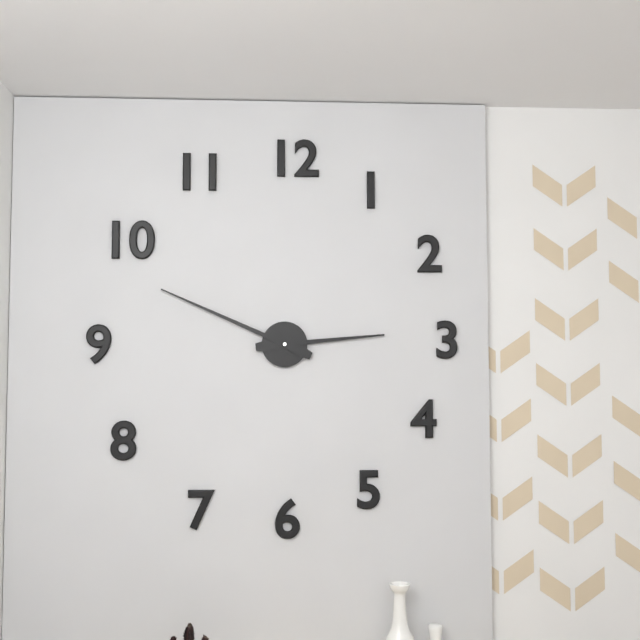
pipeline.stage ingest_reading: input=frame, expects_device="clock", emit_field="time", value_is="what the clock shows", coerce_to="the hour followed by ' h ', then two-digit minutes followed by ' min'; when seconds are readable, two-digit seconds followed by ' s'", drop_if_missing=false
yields 2 h 49 min
